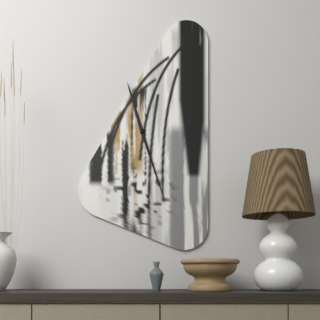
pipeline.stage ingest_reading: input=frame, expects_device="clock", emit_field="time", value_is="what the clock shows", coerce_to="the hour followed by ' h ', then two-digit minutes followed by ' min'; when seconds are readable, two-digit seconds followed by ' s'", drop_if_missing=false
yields 11 h 27 min
